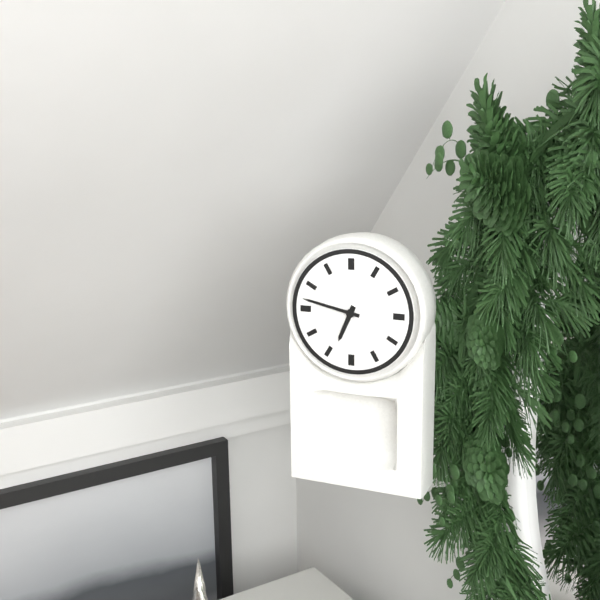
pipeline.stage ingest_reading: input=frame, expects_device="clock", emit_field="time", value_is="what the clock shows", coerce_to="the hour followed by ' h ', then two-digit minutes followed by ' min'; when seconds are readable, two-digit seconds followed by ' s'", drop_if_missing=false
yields 6 h 47 min
